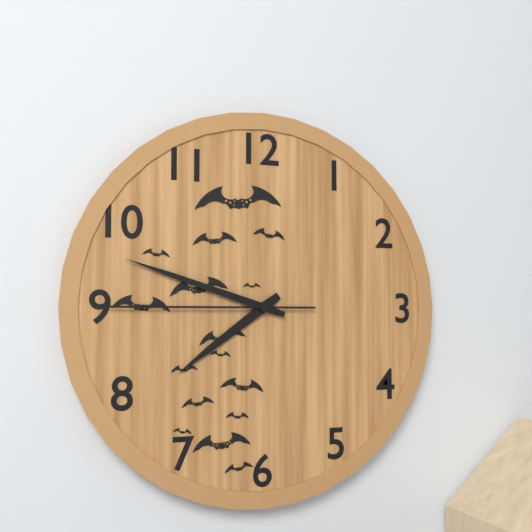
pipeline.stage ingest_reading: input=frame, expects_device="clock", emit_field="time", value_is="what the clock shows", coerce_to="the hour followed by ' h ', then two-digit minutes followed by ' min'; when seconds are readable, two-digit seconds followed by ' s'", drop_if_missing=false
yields 7 h 48 min 45 s
